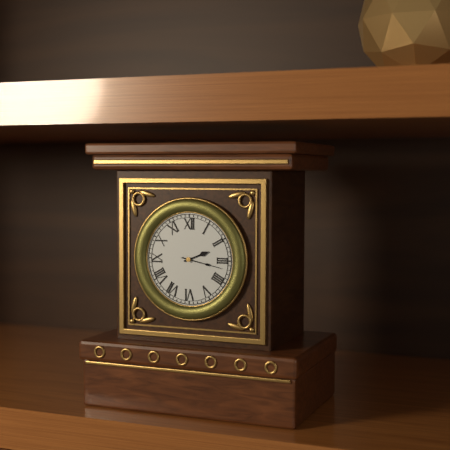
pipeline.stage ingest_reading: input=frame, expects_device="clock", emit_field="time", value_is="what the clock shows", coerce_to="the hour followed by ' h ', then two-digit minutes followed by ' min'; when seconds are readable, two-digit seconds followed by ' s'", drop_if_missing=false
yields 2 h 17 min
